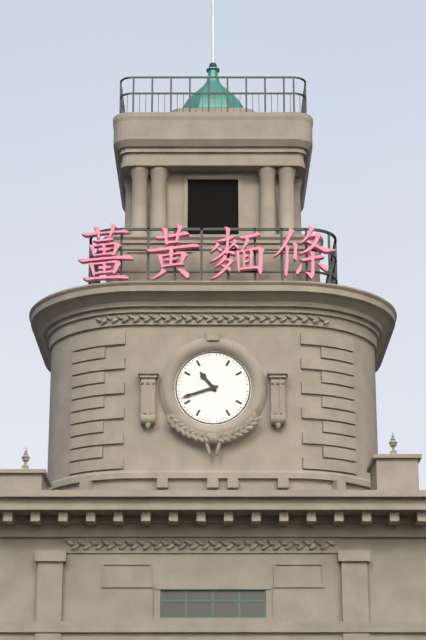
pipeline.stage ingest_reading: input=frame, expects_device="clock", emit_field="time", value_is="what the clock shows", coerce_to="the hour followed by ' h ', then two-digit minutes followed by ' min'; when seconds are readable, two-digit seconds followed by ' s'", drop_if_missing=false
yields 10 h 42 min
